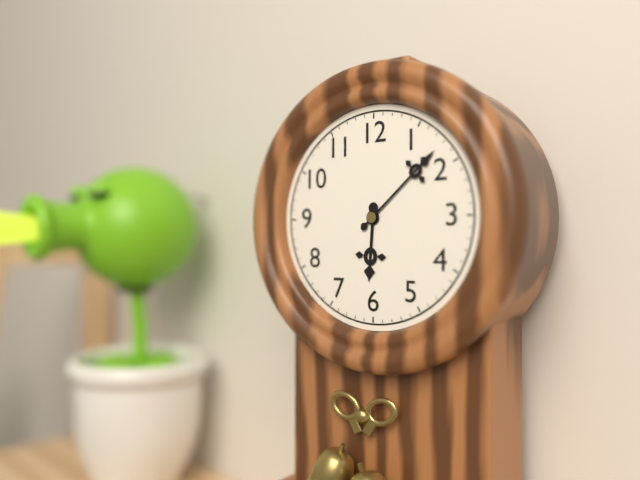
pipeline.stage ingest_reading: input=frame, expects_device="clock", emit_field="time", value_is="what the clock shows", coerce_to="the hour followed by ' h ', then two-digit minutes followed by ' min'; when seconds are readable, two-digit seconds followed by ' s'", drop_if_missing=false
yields 6 h 08 min
